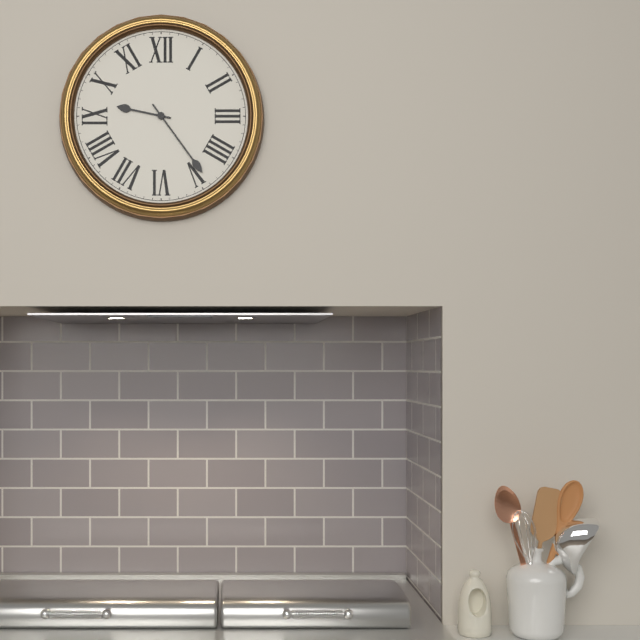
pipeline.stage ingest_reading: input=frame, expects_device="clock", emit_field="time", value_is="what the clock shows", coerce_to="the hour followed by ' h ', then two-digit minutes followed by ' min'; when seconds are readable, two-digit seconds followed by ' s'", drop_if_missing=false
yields 9 h 24 min
